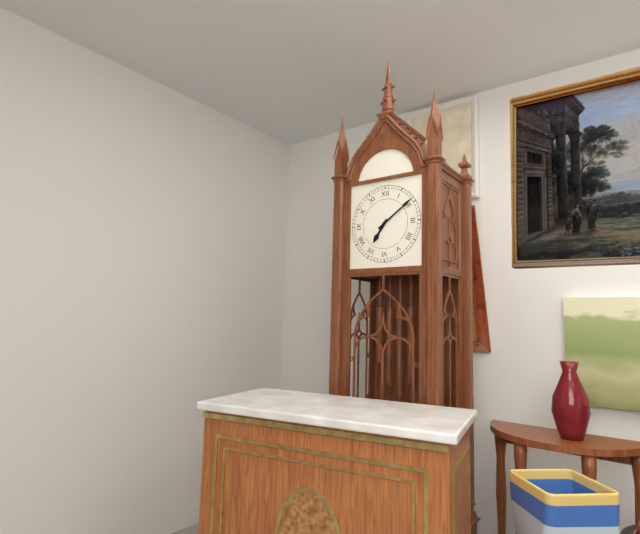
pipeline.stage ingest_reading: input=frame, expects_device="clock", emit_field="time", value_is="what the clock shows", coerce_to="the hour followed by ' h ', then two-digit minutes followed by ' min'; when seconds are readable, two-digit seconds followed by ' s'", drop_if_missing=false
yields 7 h 09 min
